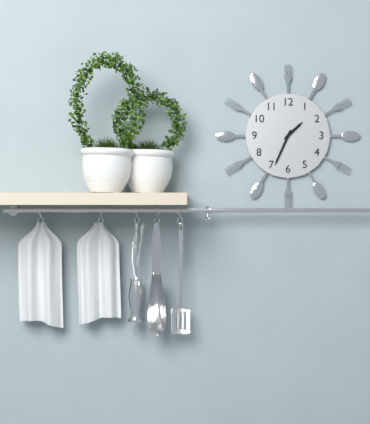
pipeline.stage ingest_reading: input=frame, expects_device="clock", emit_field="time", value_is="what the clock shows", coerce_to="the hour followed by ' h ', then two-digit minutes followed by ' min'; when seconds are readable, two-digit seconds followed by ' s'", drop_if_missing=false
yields 1 h 34 min
